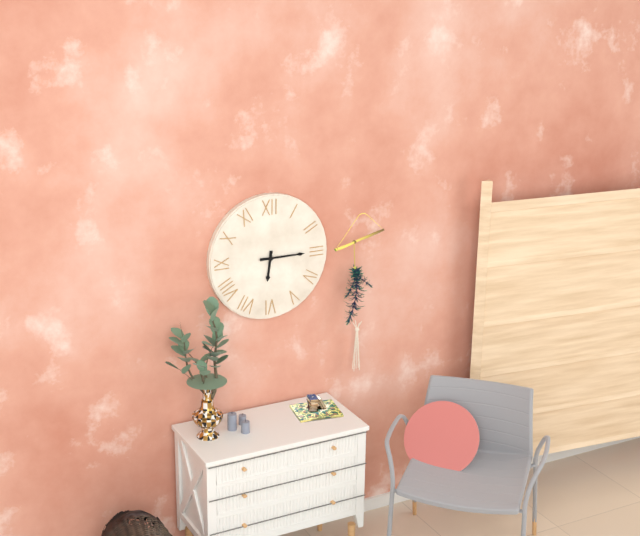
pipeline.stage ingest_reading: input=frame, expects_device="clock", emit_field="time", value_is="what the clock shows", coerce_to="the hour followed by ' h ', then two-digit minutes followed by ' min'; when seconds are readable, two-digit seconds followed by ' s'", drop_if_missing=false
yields 6 h 15 min
